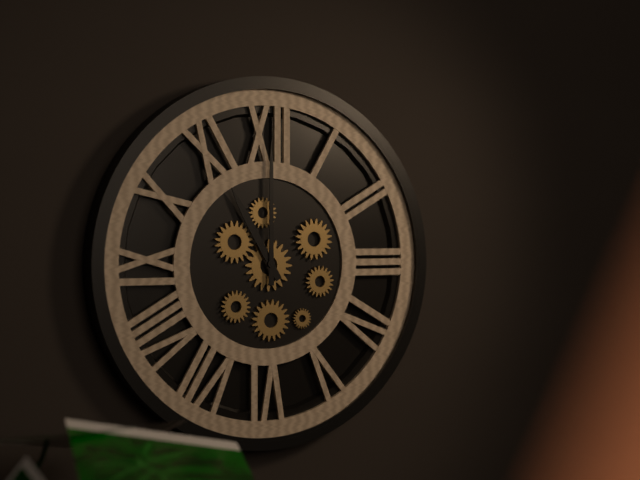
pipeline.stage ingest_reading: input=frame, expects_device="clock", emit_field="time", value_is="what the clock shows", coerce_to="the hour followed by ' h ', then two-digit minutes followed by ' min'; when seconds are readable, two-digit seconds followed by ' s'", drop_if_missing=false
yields 11 h 00 min
